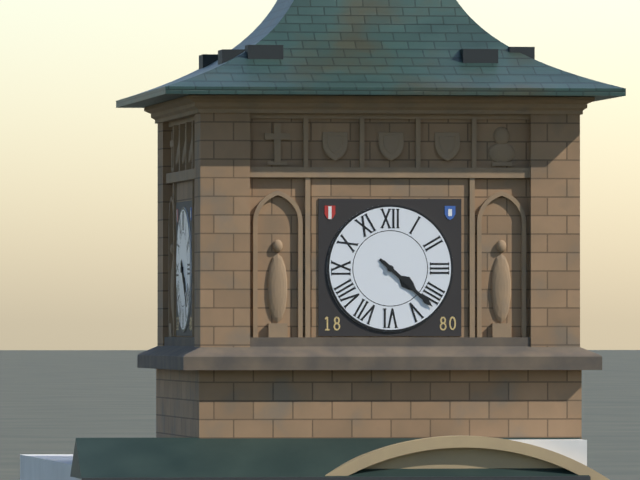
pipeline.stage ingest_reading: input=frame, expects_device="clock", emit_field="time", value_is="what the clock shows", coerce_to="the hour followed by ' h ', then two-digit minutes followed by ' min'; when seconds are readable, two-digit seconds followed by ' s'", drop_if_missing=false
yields 4 h 22 min
